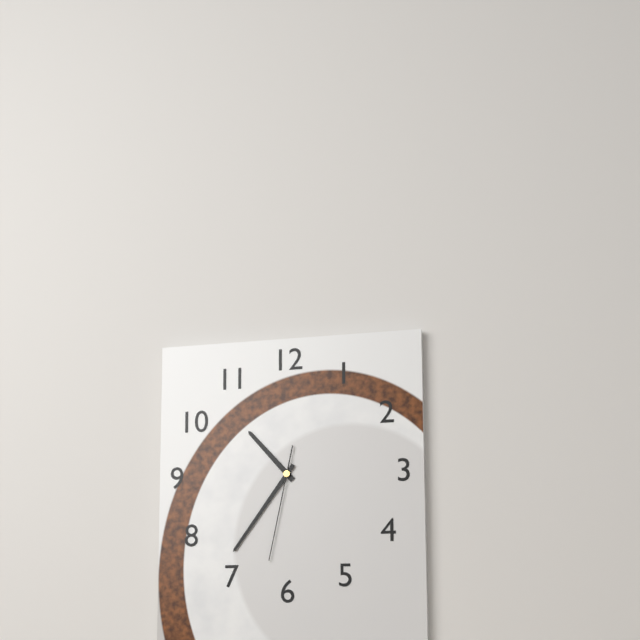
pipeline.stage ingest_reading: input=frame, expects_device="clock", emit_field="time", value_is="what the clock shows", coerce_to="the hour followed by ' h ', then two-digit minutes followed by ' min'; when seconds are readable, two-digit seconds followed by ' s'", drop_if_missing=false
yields 10 h 36 min 32 s
